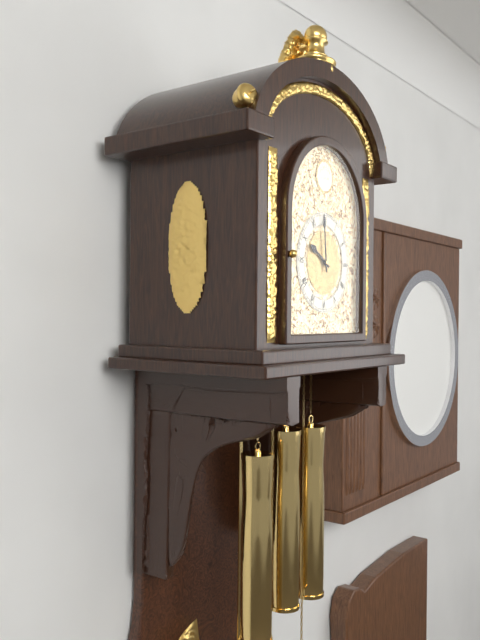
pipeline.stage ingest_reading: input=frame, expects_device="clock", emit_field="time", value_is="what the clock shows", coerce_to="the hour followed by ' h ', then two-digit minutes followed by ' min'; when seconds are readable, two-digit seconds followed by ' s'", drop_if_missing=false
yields 9 h 59 min
